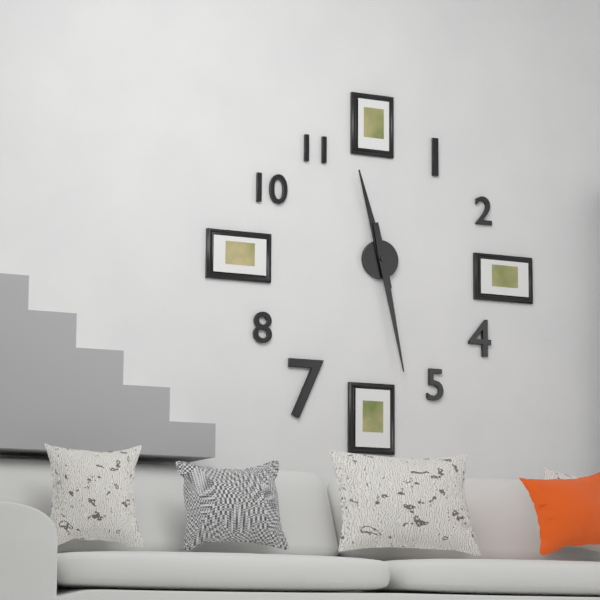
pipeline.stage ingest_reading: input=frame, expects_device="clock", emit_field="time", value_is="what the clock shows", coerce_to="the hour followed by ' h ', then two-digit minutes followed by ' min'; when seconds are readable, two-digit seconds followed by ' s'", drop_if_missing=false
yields 11 h 28 min
